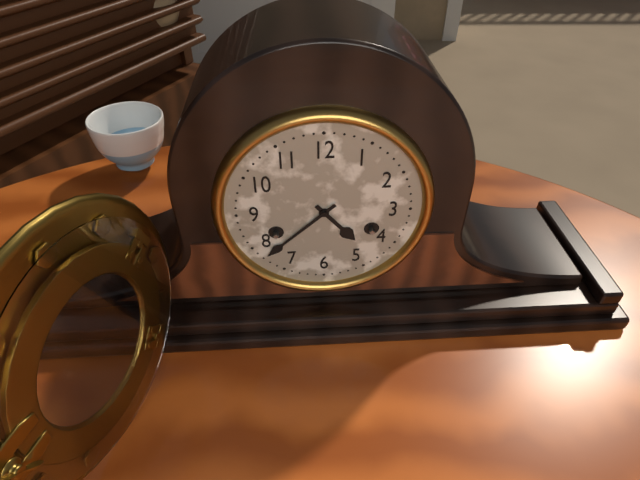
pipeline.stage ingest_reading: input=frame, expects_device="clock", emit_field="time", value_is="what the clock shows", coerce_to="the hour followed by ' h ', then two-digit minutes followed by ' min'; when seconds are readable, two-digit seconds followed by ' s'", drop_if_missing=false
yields 4 h 38 min
